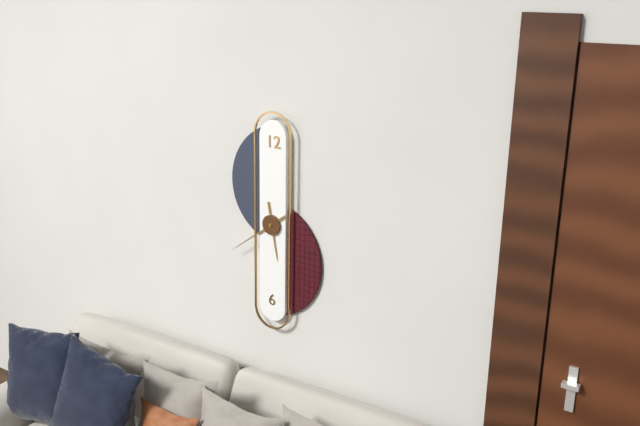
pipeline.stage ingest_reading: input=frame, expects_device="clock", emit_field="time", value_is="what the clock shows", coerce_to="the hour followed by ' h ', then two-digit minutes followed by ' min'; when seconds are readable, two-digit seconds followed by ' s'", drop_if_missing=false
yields 5 h 39 min
